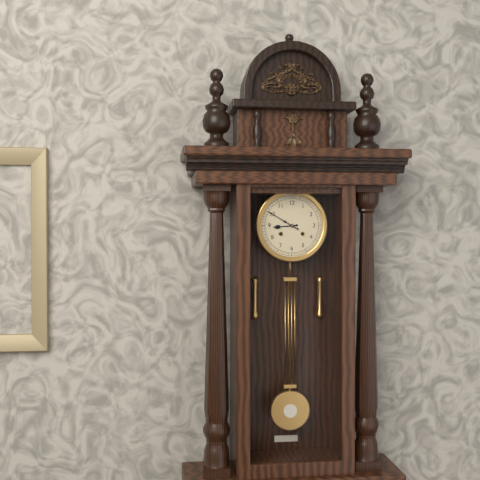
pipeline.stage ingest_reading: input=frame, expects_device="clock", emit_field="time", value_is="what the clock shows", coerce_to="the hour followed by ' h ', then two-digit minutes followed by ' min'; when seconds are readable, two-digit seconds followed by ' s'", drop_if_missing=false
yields 8 h 50 min
